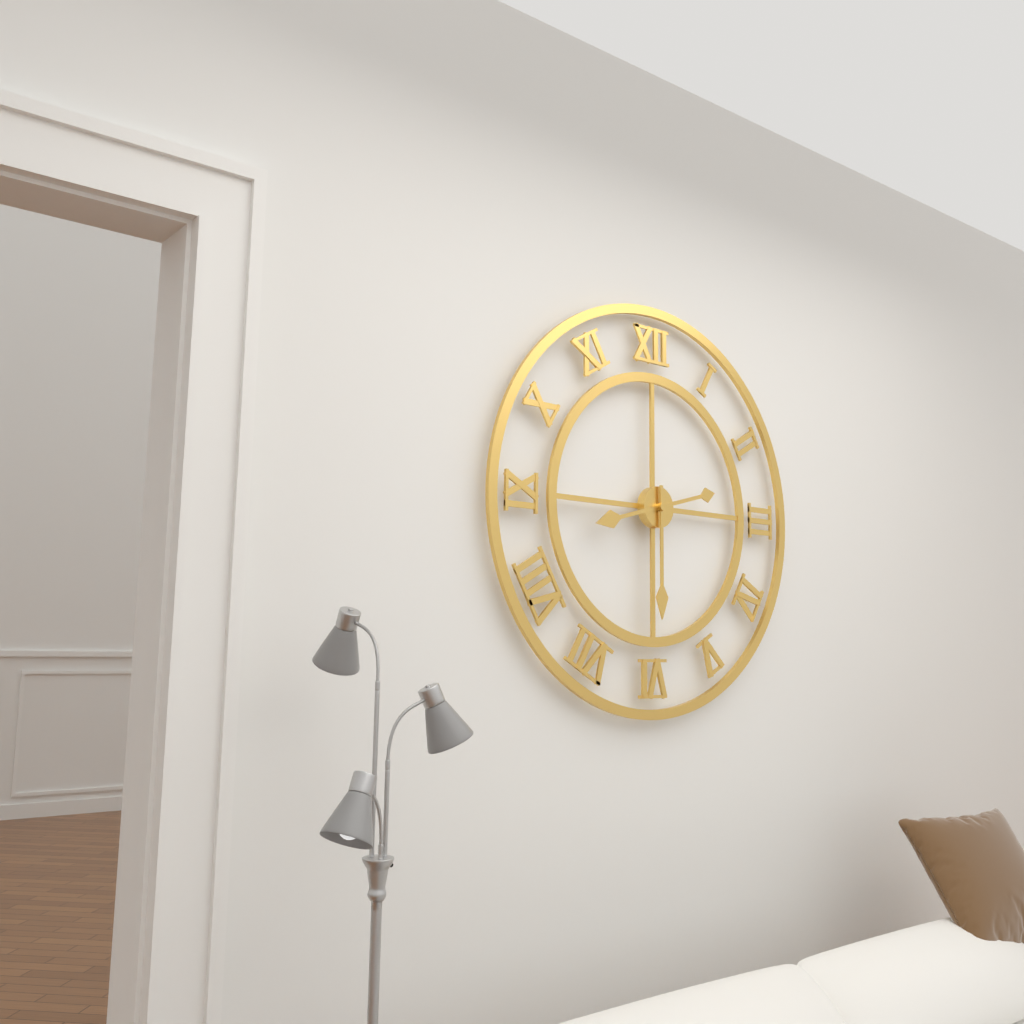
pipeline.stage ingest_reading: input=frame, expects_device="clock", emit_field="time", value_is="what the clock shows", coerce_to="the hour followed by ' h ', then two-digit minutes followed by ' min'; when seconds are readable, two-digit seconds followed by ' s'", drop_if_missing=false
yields 8 h 30 min
